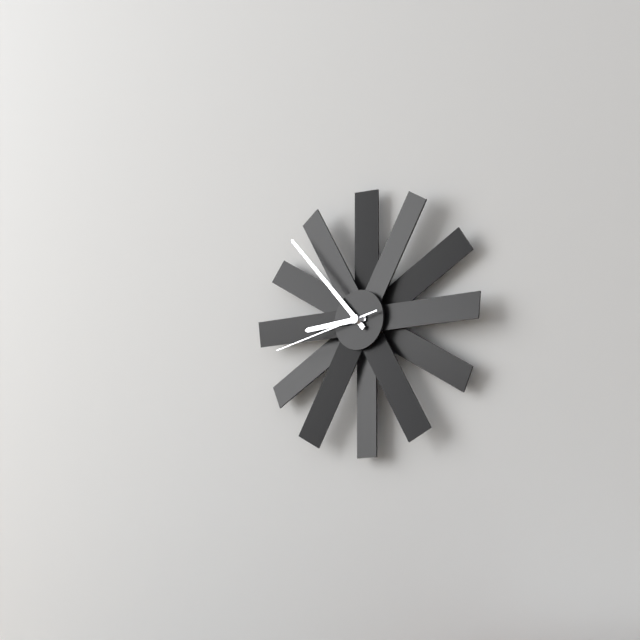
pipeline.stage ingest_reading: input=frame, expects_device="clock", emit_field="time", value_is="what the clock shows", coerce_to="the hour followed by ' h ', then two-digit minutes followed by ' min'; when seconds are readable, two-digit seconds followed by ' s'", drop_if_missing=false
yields 8 h 53 min 43 s
